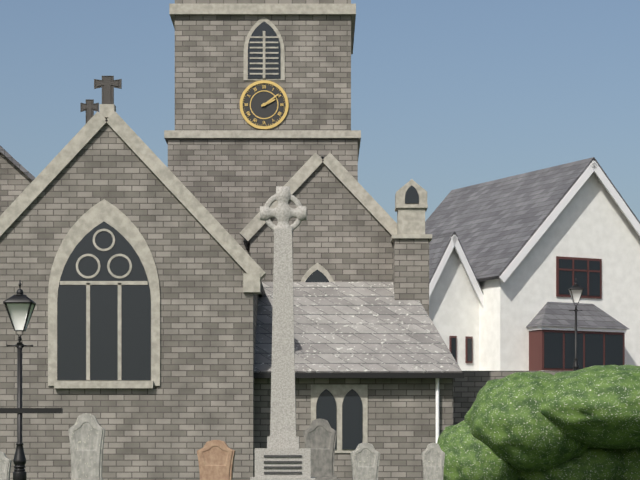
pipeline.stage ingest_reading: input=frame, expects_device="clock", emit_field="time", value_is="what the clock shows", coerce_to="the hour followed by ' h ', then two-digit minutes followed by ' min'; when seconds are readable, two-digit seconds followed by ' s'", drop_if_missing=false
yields 2 h 09 min
